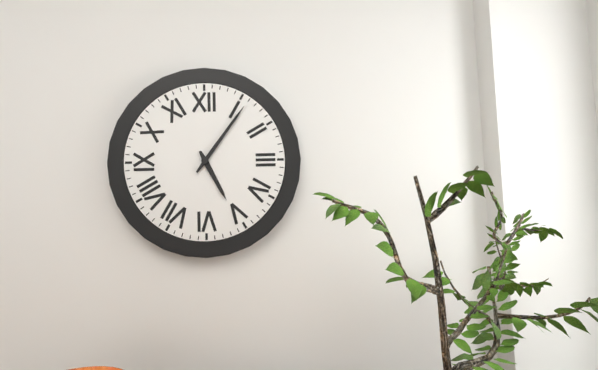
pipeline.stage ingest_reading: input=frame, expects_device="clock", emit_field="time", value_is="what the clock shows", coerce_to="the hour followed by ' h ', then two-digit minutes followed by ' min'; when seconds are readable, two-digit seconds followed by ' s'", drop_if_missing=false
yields 5 h 06 min
